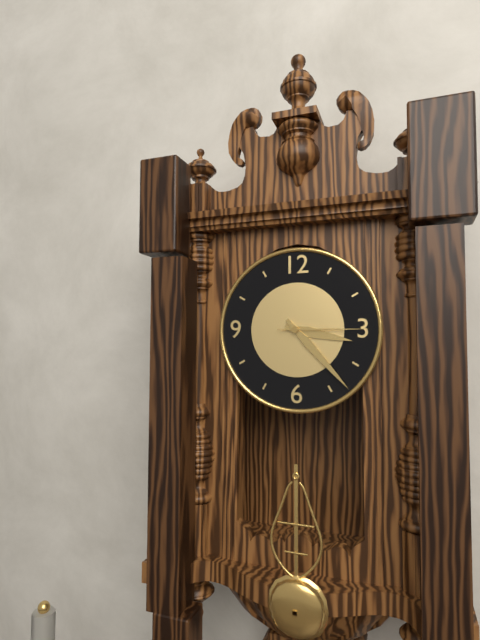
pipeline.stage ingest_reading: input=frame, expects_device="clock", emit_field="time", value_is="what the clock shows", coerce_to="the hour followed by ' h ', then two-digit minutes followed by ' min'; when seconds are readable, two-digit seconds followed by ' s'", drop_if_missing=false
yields 3 h 23 min 15 s
